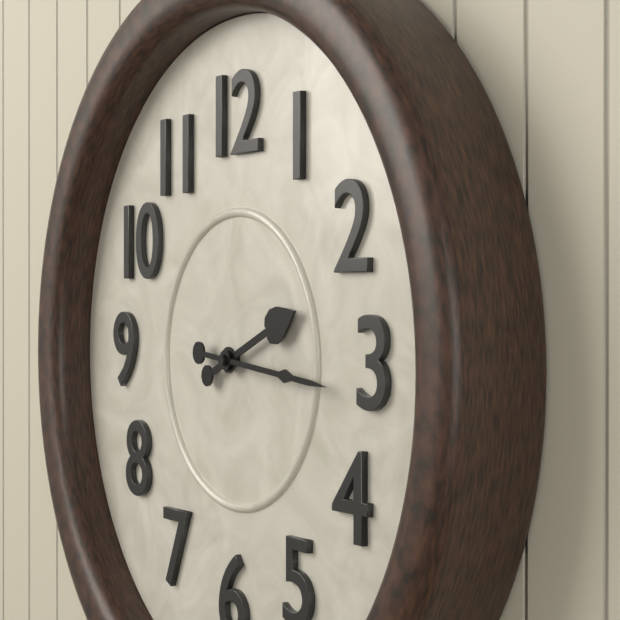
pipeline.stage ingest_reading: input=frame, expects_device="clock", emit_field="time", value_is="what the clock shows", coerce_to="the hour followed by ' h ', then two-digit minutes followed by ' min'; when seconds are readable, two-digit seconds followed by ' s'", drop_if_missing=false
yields 2 h 16 min
